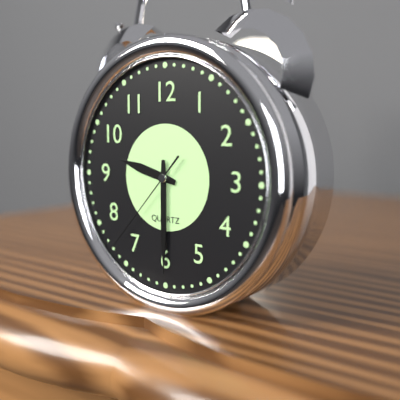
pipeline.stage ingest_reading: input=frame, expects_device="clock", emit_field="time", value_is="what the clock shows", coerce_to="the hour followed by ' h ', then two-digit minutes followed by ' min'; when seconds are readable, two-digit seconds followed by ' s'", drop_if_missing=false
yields 9 h 30 min 37 s
